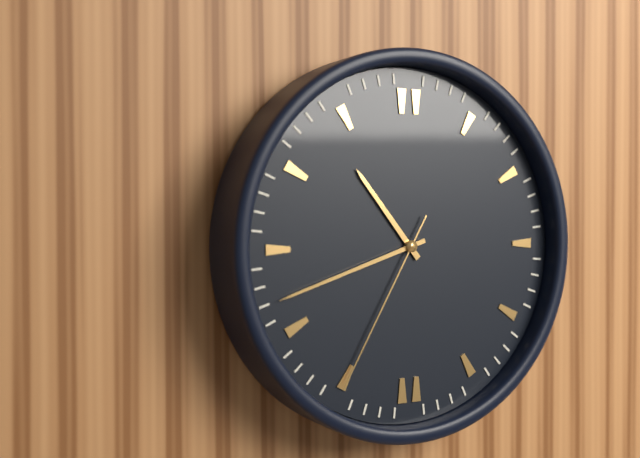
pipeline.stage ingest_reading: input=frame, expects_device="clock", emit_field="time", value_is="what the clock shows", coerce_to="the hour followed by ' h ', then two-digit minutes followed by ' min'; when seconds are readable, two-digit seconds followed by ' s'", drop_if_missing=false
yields 10 h 42 min 35 s
